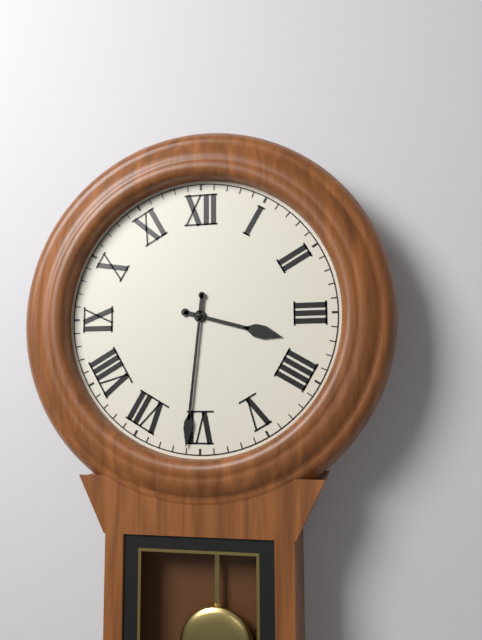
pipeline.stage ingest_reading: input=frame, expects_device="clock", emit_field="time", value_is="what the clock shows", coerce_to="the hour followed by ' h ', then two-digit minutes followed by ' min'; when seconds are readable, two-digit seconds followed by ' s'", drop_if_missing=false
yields 3 h 31 min
